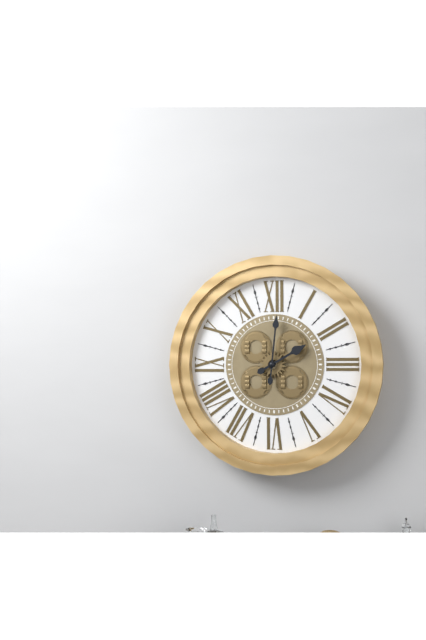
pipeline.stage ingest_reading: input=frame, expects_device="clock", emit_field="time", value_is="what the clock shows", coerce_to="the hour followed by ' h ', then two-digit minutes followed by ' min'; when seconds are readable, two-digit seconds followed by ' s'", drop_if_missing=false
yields 2 h 01 min
